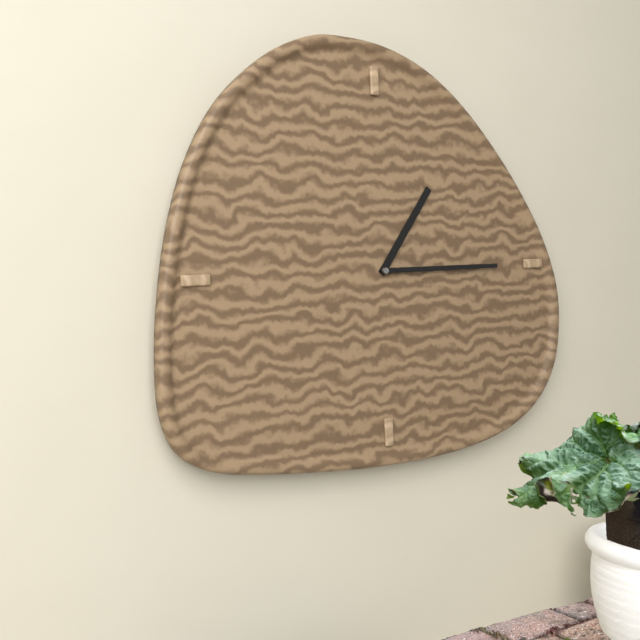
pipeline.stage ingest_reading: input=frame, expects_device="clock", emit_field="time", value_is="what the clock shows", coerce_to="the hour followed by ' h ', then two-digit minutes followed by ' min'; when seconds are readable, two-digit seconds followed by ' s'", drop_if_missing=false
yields 1 h 15 min
